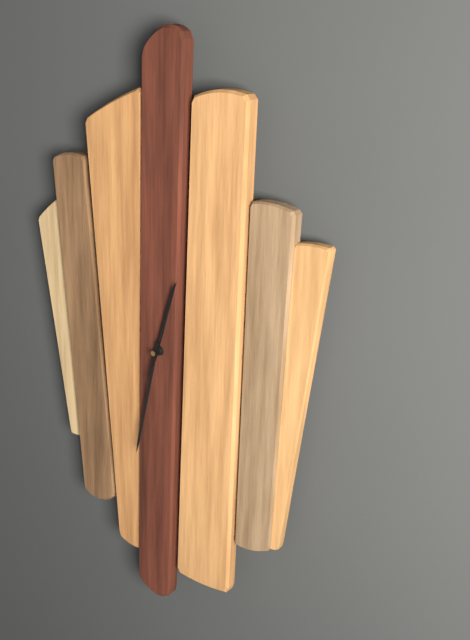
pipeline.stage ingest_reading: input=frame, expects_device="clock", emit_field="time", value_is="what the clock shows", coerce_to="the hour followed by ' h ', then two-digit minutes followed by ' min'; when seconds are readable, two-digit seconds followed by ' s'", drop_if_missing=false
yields 12 h 32 min 03 s
